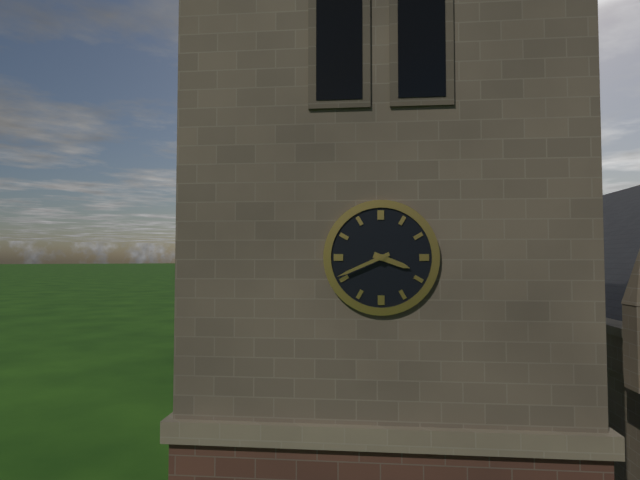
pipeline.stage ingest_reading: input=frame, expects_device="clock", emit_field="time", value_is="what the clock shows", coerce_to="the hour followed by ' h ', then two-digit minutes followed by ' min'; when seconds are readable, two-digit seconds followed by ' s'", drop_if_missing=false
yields 3 h 41 min
